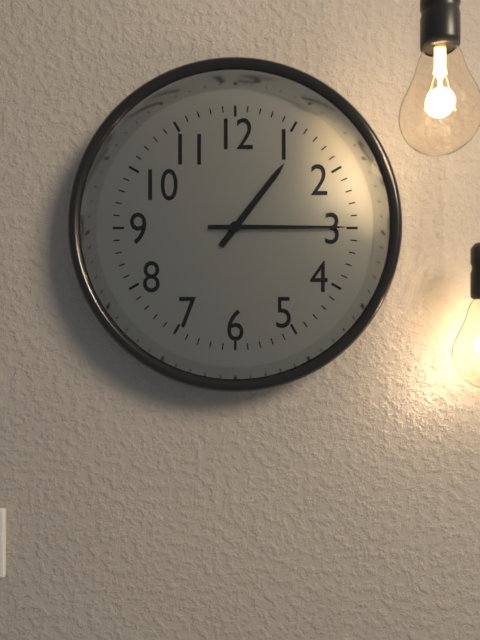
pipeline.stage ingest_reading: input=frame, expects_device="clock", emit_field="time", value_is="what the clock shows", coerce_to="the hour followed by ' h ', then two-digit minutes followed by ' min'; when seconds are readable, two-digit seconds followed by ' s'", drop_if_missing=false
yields 1 h 15 min
